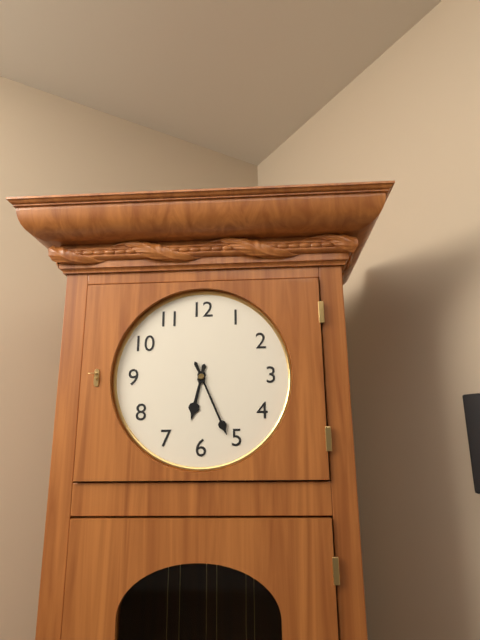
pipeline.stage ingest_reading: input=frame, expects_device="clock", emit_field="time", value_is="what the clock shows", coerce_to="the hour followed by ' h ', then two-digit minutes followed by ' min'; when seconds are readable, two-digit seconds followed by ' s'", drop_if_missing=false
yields 6 h 26 min
